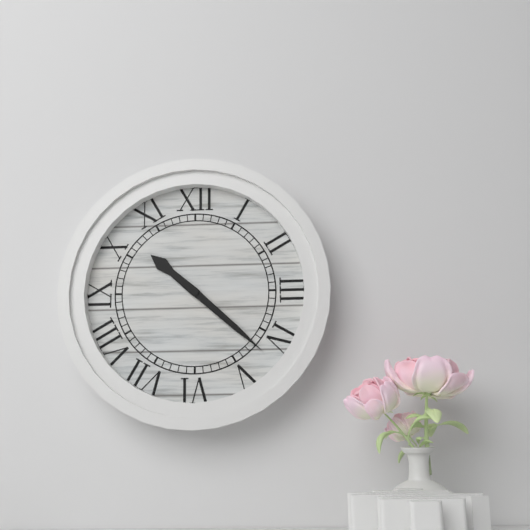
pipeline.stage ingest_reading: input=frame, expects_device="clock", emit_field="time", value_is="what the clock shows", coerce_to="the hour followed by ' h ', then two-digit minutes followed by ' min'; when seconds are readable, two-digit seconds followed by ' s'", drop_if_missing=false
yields 10 h 22 min
